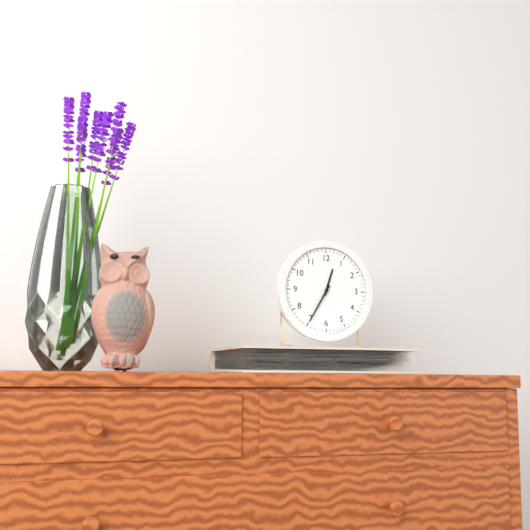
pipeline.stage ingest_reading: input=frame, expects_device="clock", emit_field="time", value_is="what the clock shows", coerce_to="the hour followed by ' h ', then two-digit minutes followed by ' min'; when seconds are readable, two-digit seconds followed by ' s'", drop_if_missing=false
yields 12 h 35 min
